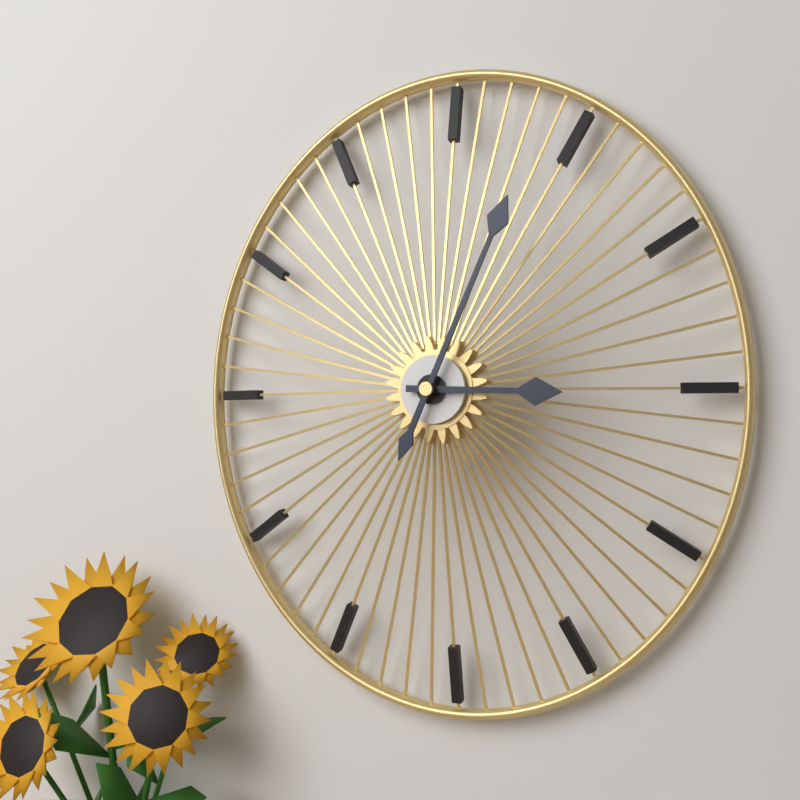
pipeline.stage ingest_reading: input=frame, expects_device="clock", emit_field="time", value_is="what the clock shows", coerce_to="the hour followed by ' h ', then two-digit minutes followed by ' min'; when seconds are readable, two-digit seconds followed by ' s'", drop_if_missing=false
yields 3 h 04 min
